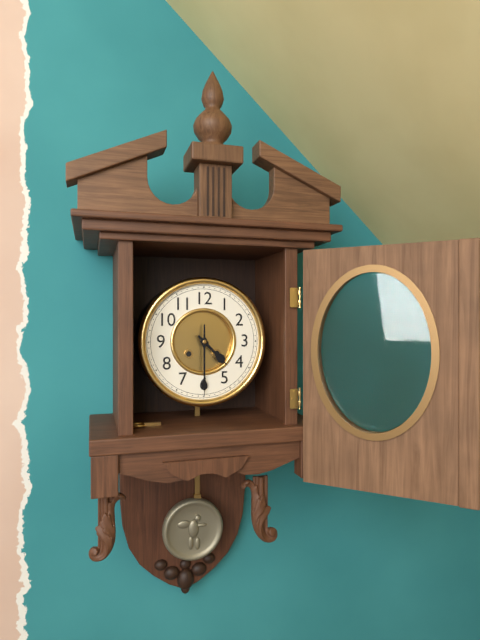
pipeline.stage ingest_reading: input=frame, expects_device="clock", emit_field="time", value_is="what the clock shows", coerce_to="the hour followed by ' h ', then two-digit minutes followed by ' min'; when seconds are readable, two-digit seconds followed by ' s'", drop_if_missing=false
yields 4 h 30 min
